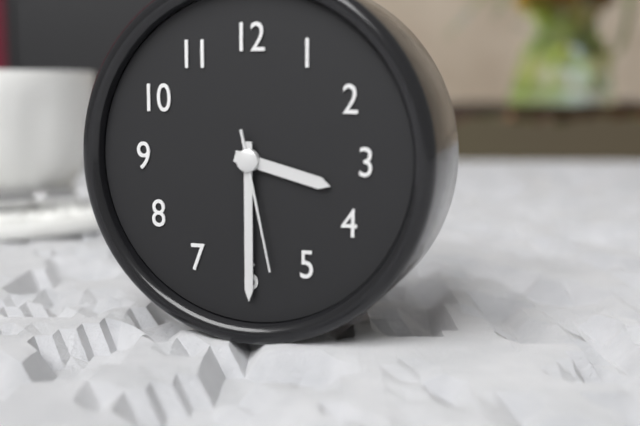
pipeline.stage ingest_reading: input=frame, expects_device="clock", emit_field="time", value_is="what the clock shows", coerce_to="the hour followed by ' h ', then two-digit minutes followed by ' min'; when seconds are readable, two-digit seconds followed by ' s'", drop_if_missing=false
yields 3 h 30 min 28 s
